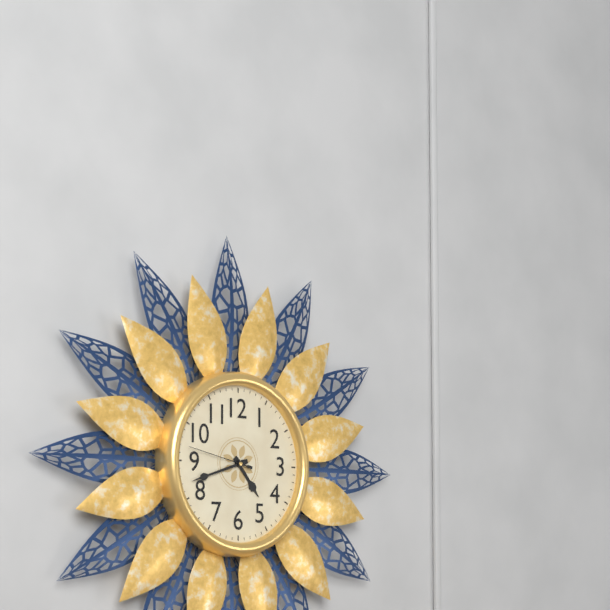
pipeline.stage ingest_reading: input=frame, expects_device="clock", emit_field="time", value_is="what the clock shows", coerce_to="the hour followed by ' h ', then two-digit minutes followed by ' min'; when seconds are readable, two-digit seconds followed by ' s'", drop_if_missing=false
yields 4 h 42 min 47 s
